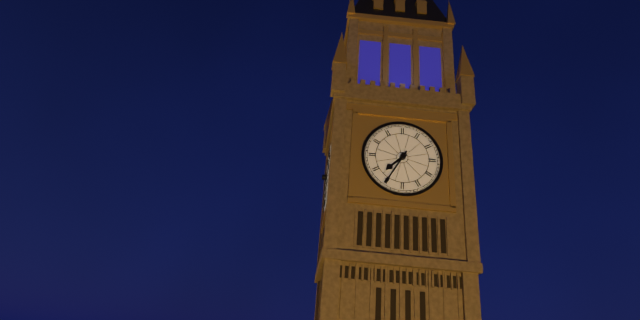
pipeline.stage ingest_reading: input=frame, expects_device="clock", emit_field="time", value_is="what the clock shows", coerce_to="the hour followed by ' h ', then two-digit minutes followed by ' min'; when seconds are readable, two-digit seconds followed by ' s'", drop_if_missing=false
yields 7 h 35 min
